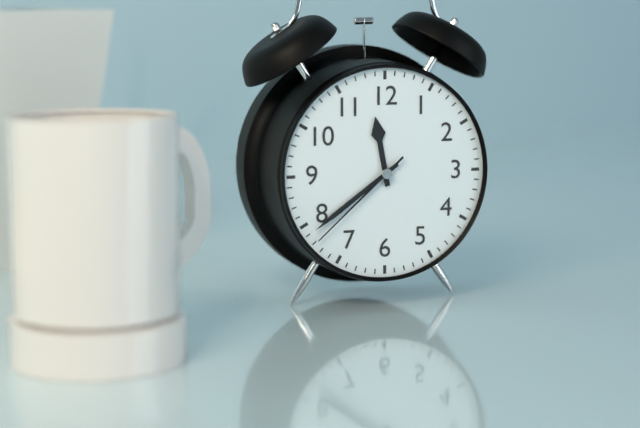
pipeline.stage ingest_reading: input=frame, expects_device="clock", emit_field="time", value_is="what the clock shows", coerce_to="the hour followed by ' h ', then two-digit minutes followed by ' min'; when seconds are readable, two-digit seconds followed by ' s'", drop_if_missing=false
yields 11 h 39 min 38 s
